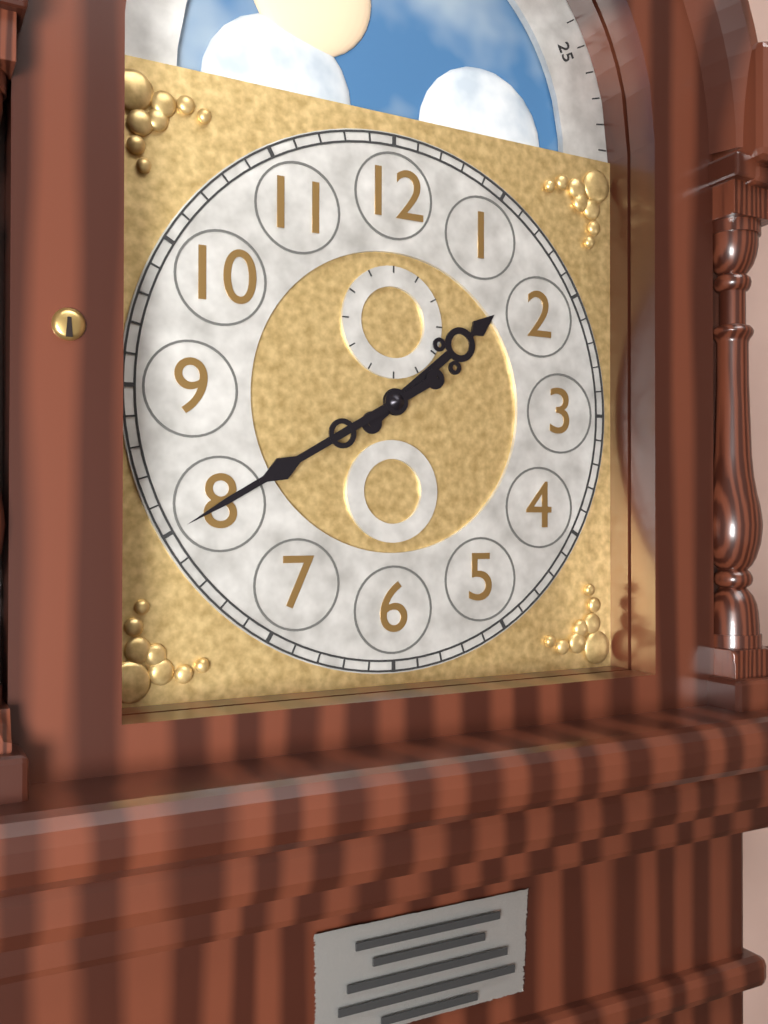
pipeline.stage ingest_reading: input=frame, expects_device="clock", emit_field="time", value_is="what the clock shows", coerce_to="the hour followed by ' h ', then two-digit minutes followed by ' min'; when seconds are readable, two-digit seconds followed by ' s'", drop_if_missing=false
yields 1 h 40 min
